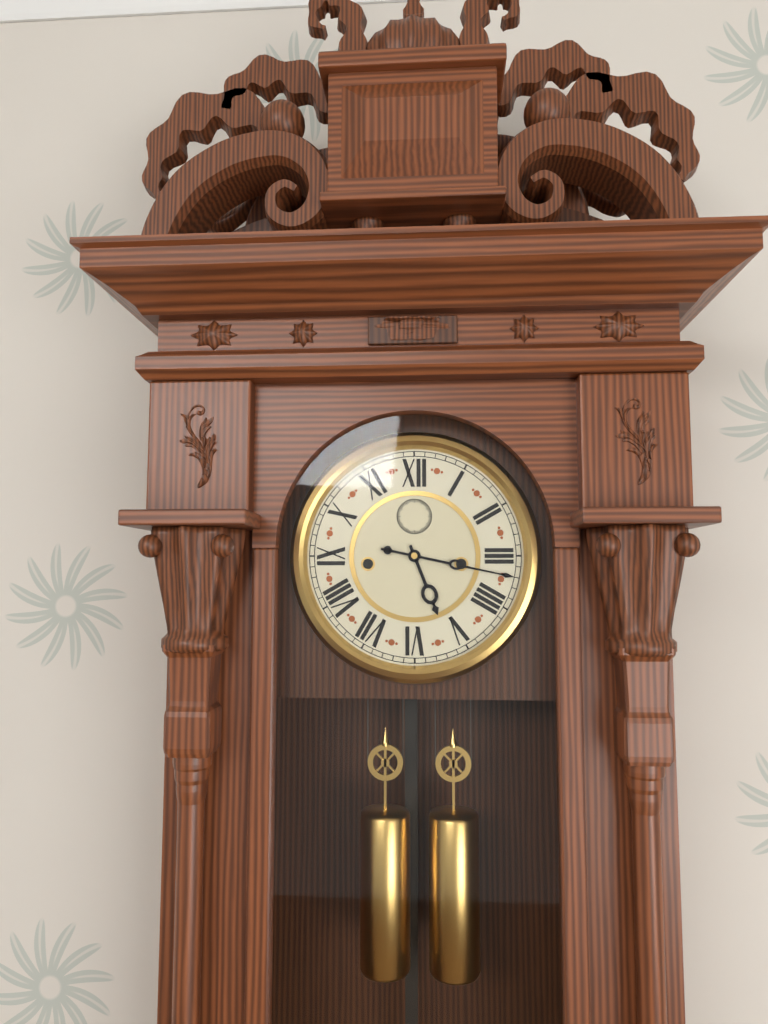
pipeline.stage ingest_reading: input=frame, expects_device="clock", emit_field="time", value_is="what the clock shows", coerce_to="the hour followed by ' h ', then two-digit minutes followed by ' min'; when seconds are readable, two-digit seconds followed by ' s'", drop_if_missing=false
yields 5 h 17 min
